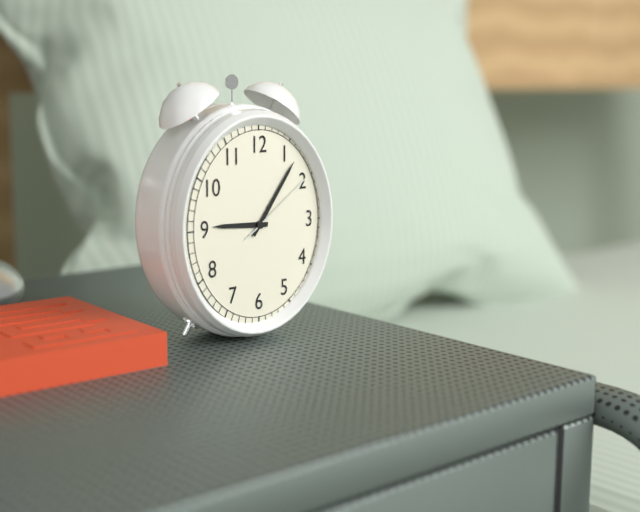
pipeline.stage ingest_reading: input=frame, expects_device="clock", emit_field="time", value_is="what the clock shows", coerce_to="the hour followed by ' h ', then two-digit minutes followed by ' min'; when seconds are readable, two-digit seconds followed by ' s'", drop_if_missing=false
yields 9 h 06 min 09 s
